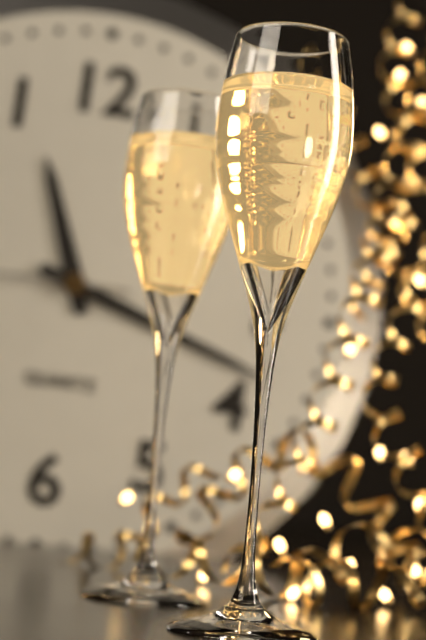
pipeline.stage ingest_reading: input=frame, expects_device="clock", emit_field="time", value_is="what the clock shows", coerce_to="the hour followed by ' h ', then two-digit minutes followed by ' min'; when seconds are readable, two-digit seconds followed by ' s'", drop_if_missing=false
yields 11 h 18 min
